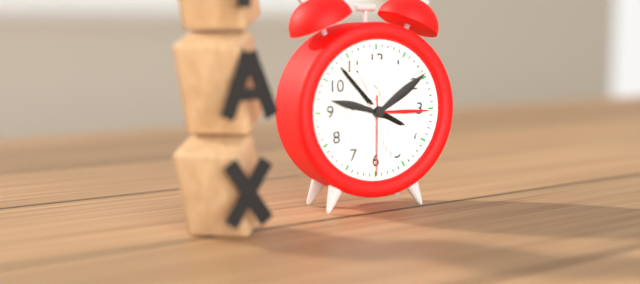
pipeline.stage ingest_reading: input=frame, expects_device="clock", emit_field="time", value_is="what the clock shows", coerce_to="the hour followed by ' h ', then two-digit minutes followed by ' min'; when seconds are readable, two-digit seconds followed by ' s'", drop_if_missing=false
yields 3 h 53 min 30 s
